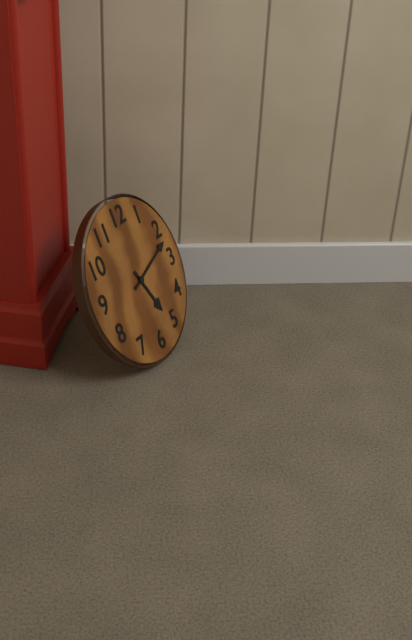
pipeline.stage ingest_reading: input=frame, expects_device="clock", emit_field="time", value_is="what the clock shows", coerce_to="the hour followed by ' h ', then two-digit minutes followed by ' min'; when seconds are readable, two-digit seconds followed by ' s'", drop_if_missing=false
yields 5 h 12 min
